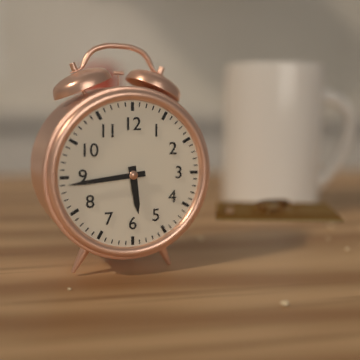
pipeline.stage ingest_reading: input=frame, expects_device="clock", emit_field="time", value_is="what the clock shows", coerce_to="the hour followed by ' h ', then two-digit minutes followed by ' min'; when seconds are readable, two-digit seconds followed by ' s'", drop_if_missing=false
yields 5 h 44 min
